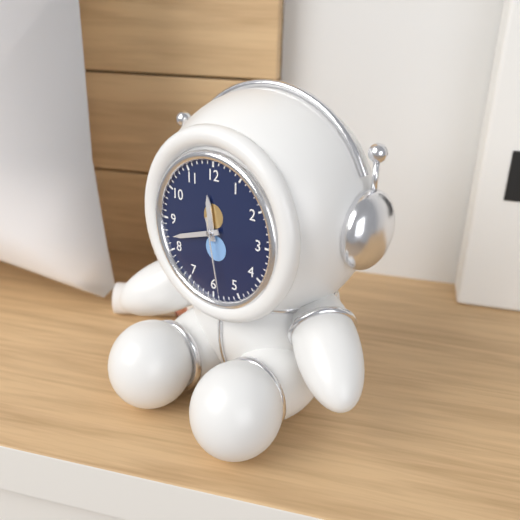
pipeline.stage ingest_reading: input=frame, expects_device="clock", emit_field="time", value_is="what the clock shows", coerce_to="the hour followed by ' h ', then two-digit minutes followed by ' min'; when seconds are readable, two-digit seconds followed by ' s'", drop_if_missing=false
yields 11 h 42 min 28 s
